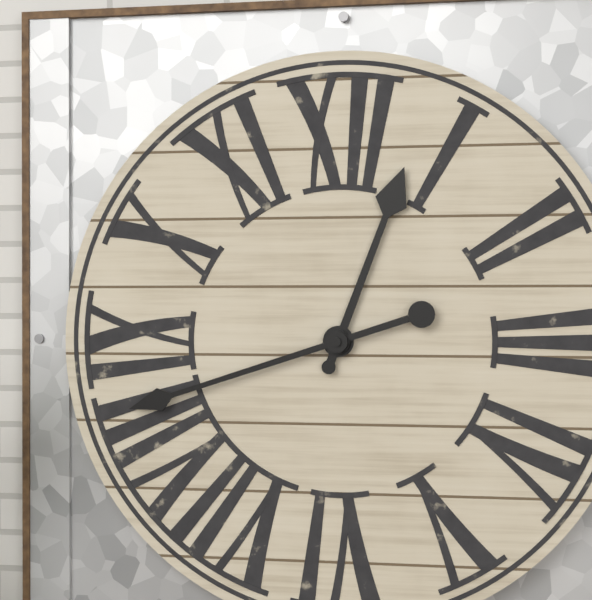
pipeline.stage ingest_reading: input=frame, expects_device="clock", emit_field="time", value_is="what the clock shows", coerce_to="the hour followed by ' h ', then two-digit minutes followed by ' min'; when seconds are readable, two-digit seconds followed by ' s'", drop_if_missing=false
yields 12 h 42 min
